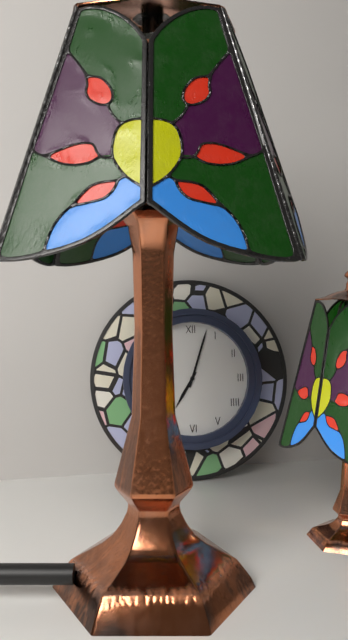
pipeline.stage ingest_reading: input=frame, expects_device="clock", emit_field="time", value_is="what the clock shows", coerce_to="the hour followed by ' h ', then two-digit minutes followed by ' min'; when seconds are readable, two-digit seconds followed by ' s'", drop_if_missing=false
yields 7 h 03 min
